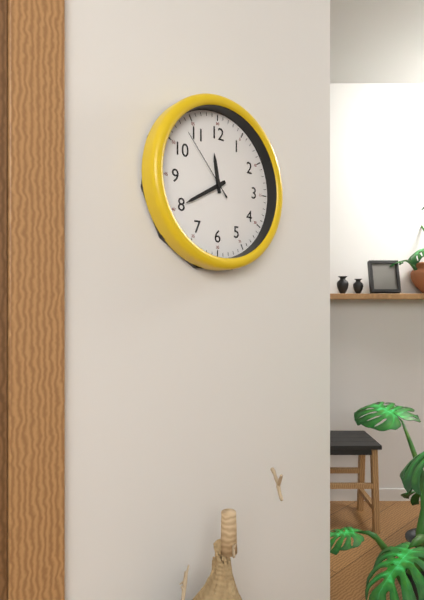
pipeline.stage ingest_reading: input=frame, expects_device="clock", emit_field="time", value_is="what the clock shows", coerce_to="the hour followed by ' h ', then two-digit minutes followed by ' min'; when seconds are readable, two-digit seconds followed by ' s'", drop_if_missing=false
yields 11 h 40 min 53 s
